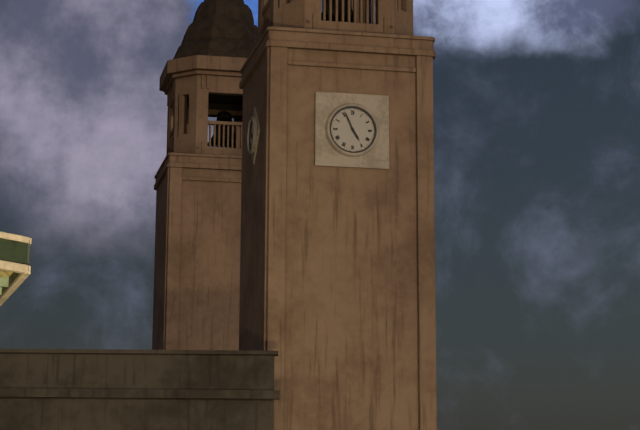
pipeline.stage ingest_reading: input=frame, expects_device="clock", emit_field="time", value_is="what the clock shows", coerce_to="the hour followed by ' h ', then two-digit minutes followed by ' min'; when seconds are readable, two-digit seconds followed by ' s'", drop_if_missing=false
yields 4 h 56 min
